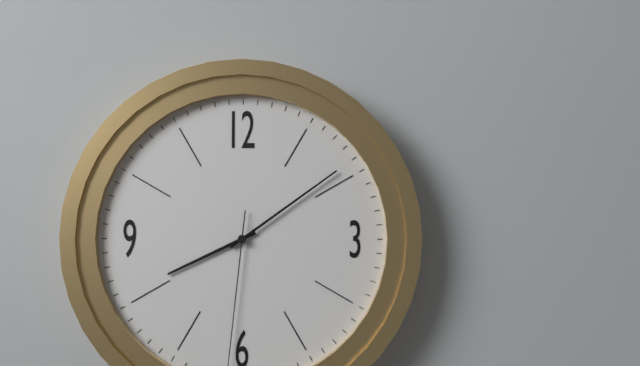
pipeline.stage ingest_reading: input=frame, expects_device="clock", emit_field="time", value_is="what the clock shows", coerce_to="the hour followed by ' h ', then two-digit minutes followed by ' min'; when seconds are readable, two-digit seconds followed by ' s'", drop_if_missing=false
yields 8 h 09 min
